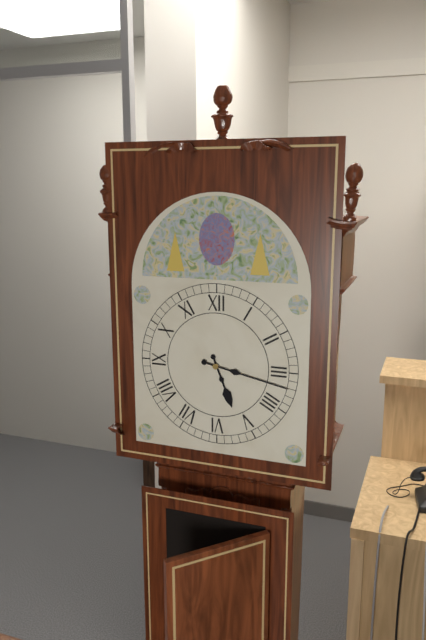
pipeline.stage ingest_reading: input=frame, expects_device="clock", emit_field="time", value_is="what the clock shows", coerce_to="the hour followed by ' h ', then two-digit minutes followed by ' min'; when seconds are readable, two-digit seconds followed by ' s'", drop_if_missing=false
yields 5 h 17 min
